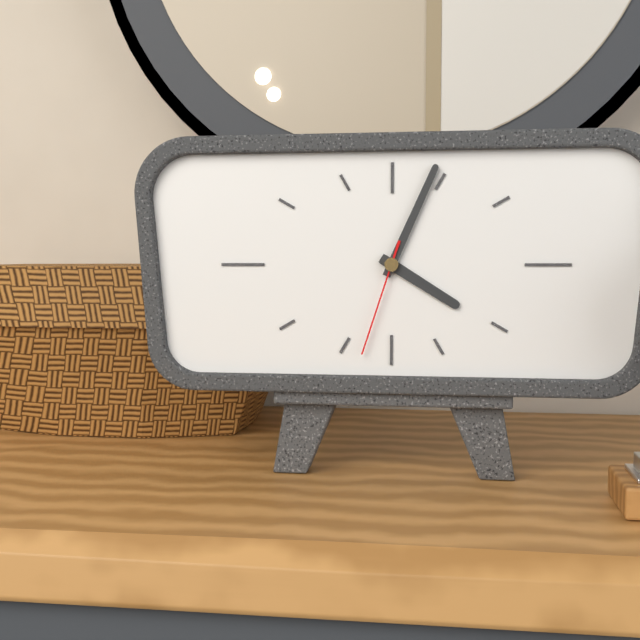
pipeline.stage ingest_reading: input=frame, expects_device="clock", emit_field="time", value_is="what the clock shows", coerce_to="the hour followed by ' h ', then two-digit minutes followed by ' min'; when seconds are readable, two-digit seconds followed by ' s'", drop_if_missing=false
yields 4 h 04 min 33 s
